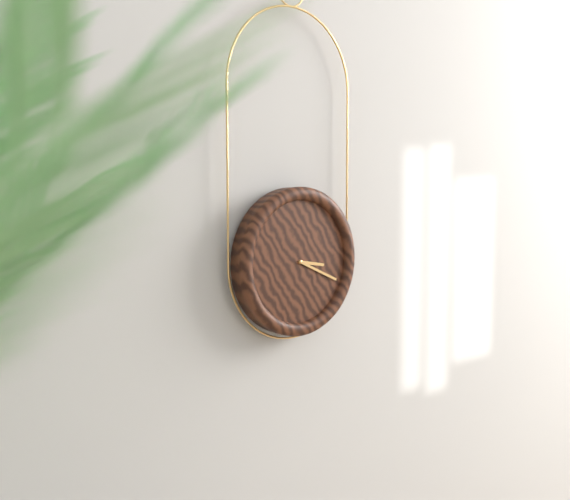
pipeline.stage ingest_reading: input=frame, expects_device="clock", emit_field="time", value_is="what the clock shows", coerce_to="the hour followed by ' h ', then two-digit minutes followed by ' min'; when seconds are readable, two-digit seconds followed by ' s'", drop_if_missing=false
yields 3 h 19 min
